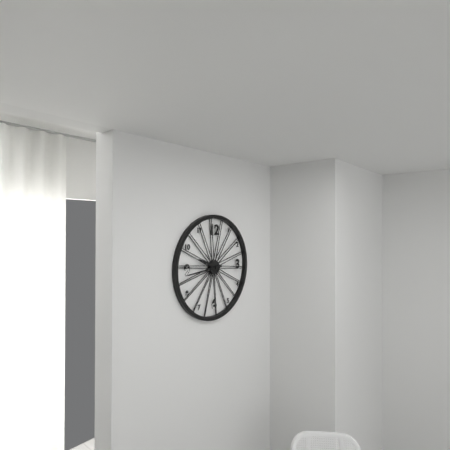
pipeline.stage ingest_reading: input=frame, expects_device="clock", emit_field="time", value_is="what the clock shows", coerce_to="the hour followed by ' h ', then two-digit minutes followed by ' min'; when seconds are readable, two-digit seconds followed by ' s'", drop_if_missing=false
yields 9 h 44 min
